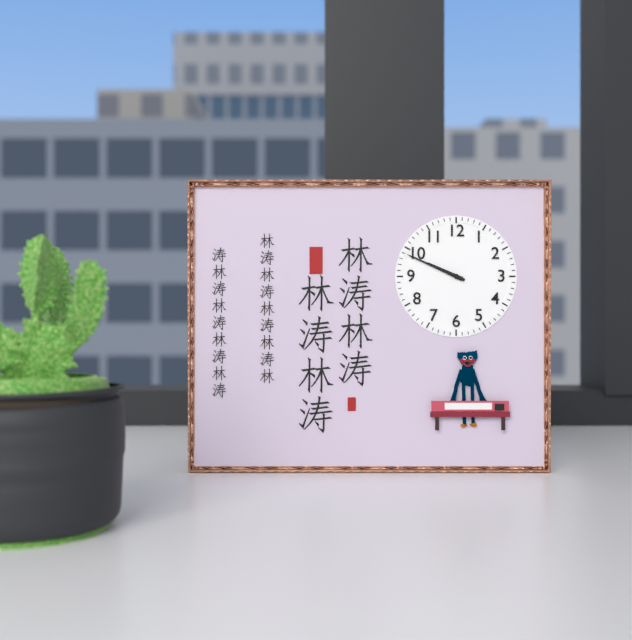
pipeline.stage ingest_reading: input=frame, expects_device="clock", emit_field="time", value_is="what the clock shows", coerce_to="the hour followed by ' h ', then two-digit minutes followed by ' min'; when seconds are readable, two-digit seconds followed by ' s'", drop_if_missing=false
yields 9 h 49 min
